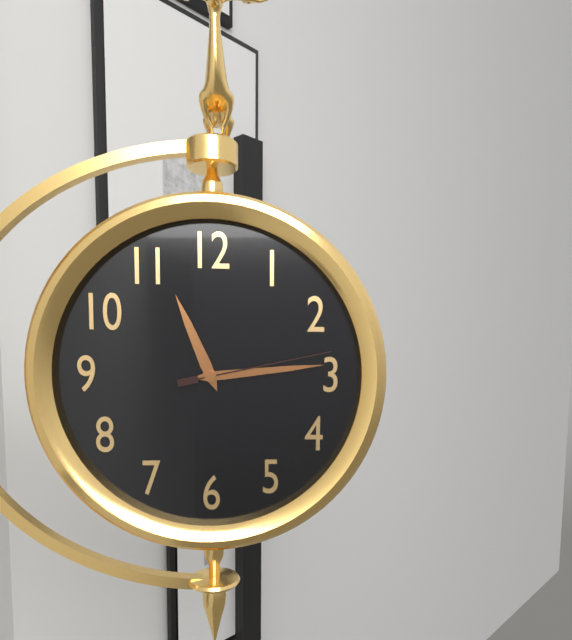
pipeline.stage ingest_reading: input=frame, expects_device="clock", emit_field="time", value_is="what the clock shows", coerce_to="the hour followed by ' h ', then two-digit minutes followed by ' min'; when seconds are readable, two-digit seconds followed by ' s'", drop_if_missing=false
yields 11 h 14 min 13 s
